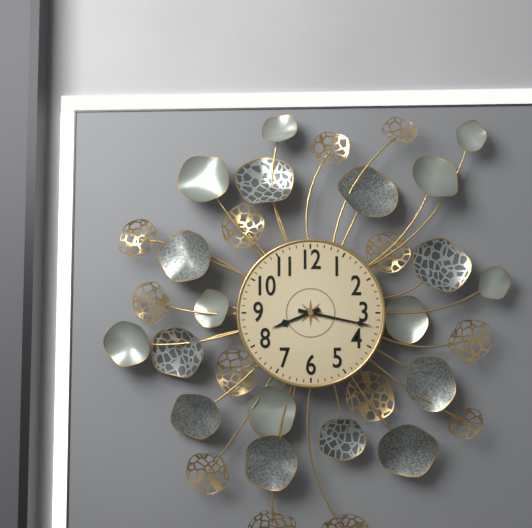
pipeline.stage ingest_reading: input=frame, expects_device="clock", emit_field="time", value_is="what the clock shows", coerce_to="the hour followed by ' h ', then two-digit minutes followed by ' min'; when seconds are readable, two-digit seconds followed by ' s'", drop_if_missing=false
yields 8 h 17 min
